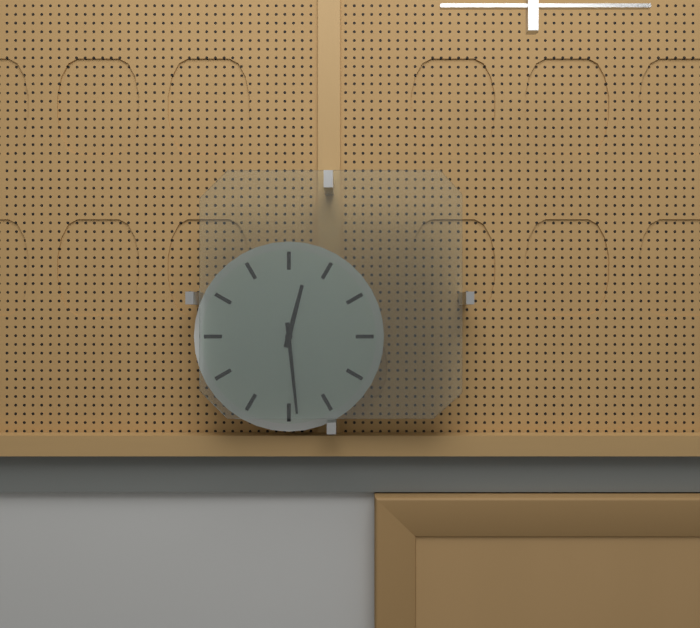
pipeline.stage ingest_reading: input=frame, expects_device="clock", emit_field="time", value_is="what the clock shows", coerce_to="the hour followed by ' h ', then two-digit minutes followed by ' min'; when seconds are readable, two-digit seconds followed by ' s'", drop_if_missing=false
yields 12 h 29 min
